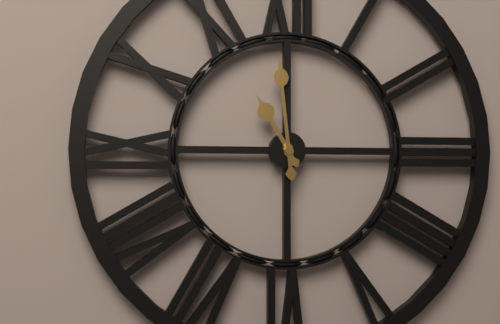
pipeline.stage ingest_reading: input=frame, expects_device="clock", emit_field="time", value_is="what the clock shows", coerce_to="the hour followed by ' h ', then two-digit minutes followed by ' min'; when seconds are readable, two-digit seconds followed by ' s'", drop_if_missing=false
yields 10 h 59 min
